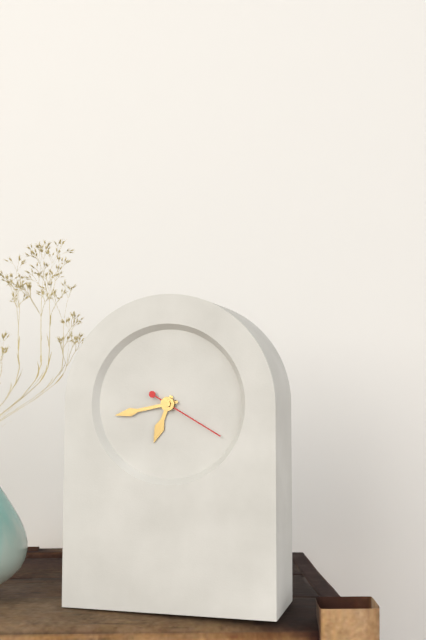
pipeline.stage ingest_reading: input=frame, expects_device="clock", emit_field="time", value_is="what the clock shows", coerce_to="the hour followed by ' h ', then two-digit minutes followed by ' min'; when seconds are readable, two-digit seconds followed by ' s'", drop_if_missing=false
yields 6 h 43 min 20 s
